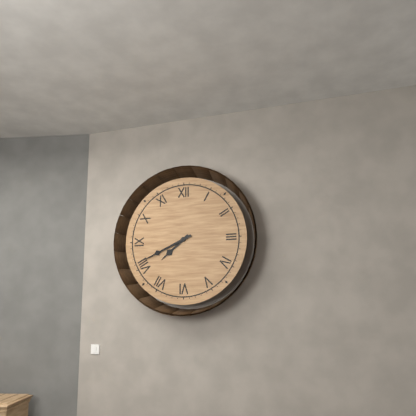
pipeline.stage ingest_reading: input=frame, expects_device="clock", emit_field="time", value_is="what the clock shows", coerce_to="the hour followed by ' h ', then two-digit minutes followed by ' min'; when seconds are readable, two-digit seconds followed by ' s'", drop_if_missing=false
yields 7 h 41 min
